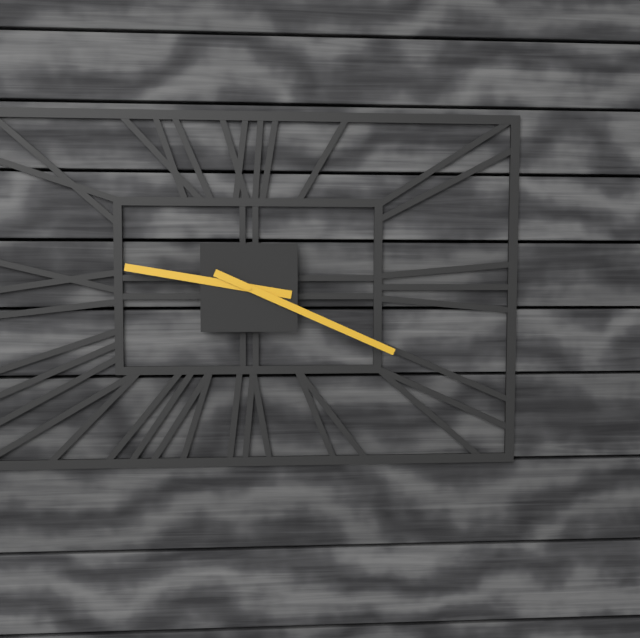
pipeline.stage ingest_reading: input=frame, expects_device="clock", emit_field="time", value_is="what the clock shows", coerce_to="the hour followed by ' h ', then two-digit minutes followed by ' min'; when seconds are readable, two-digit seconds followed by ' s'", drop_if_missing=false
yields 9 h 19 min
